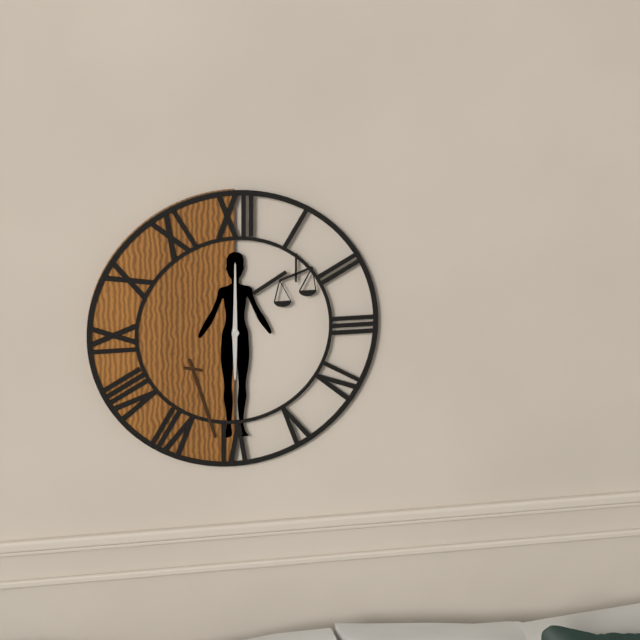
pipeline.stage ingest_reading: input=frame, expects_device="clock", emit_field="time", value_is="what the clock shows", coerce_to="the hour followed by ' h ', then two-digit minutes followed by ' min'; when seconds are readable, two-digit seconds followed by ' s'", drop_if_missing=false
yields 6 h 00 min
